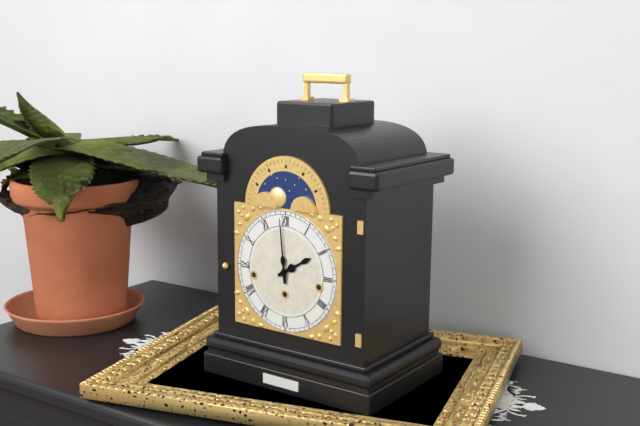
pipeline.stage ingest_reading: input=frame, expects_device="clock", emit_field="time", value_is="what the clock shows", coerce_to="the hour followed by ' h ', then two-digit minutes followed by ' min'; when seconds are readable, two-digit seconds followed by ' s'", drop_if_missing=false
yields 1 h 59 min
